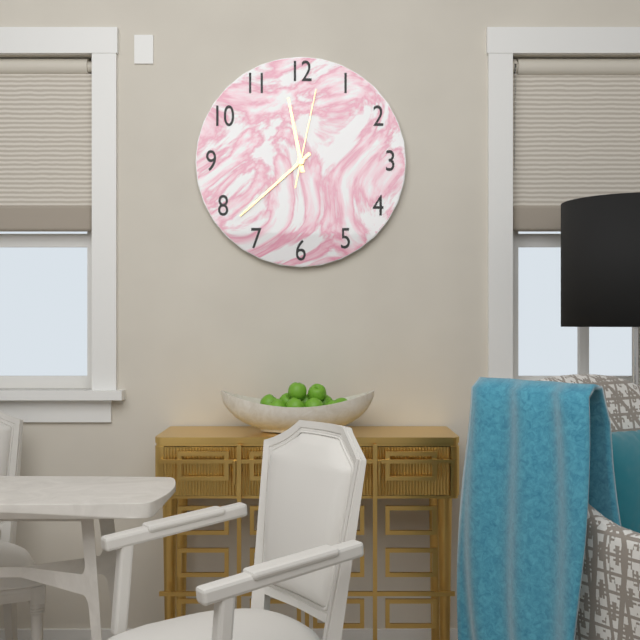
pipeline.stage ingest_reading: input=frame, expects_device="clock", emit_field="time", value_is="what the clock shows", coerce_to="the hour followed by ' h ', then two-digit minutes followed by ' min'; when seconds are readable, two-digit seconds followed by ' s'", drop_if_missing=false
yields 11 h 38 min 02 s
